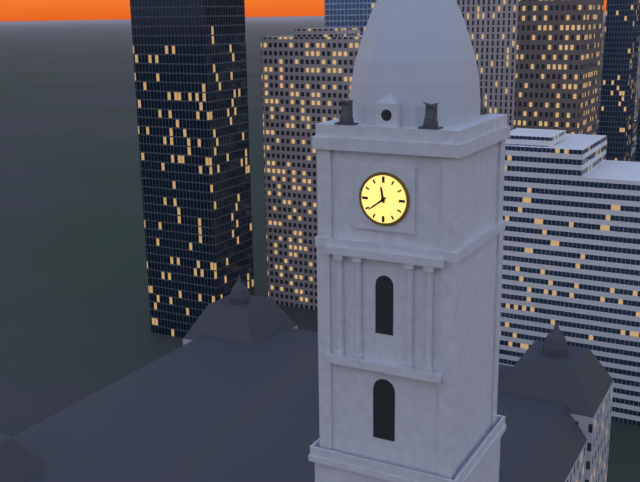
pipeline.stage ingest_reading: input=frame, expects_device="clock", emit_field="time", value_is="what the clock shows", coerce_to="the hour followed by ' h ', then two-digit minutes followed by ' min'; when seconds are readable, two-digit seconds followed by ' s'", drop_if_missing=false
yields 11 h 39 min
